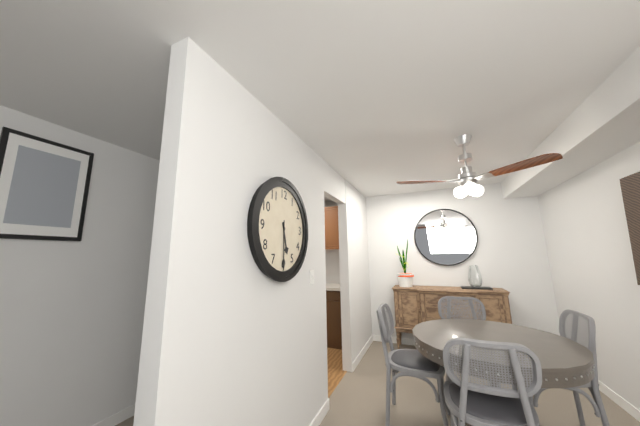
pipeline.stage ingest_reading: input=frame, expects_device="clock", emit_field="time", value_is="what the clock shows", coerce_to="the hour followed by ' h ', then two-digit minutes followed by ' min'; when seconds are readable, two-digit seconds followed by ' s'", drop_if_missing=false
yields 5 h 30 min
